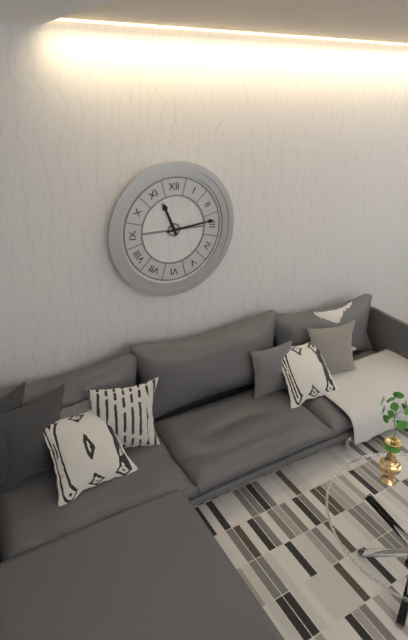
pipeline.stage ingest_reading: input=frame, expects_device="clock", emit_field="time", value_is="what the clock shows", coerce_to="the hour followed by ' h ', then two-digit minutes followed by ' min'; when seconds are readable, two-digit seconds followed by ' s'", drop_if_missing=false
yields 11 h 14 min
